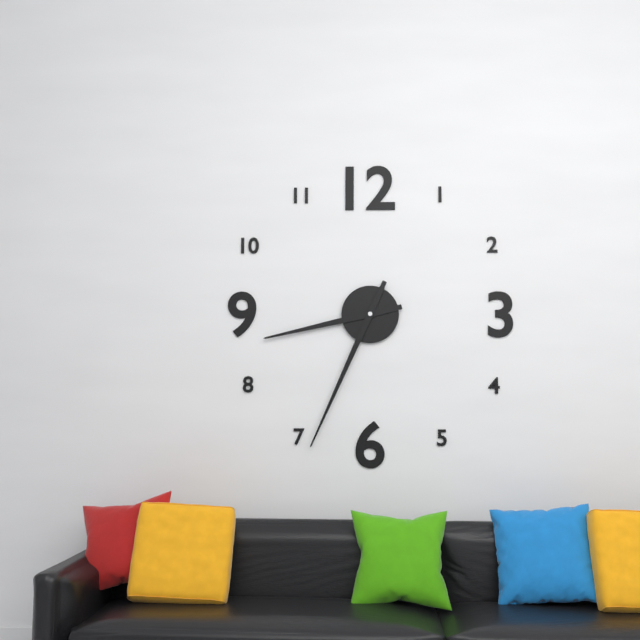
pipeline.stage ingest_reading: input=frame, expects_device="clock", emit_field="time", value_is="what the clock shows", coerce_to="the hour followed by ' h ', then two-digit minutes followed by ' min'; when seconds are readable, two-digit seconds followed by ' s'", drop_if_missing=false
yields 8 h 34 min
